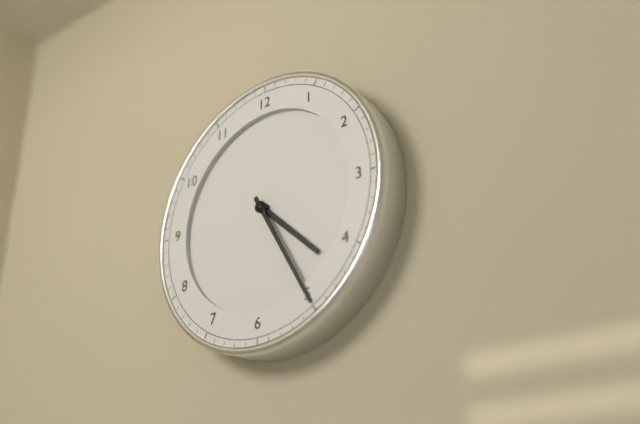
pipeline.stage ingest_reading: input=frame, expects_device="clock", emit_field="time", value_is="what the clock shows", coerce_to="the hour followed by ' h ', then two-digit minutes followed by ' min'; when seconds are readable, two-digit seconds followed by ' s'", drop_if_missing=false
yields 4 h 25 min
